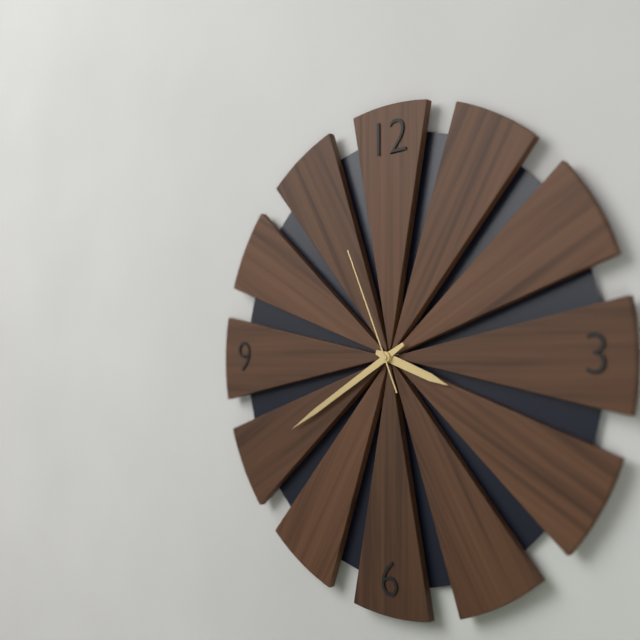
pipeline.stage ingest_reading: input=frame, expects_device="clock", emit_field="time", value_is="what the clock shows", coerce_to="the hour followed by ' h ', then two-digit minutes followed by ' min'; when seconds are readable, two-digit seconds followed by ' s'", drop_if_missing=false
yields 3 h 40 min 56 s
